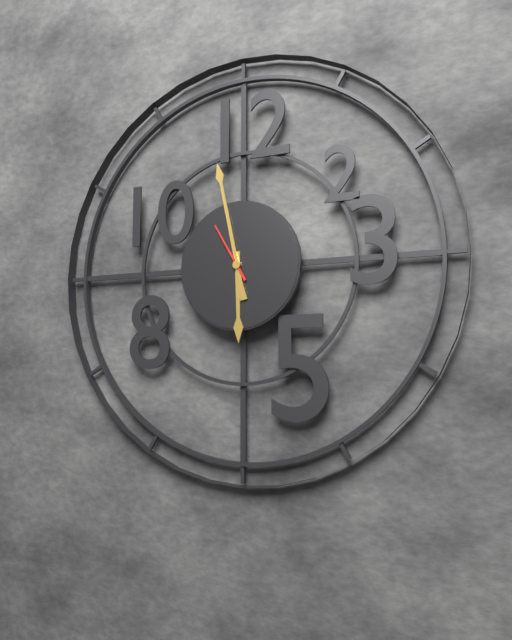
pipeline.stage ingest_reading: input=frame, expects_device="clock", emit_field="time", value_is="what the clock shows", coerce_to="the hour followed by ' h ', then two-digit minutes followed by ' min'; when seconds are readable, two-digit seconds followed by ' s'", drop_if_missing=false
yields 5 h 58 min 55 s
